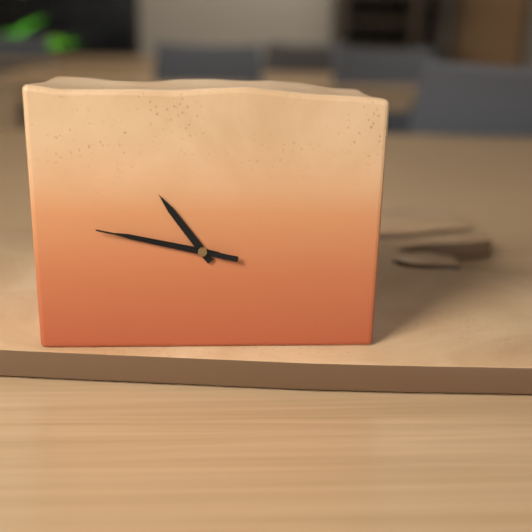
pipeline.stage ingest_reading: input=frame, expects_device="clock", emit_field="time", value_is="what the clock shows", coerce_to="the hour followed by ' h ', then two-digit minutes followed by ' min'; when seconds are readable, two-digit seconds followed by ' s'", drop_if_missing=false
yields 10 h 47 min 47 s
